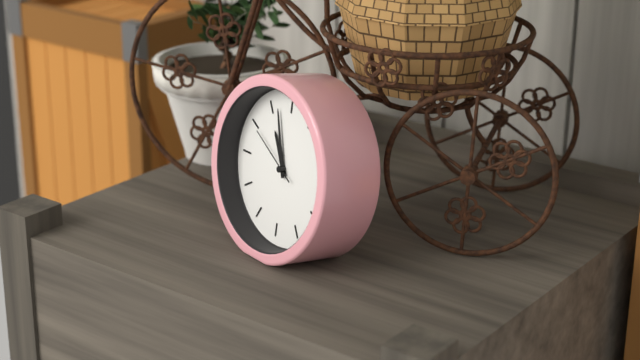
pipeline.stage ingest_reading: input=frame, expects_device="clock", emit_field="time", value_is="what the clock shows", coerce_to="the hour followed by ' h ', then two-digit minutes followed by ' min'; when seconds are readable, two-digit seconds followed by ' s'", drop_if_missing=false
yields 10 h 57 min 50 s
